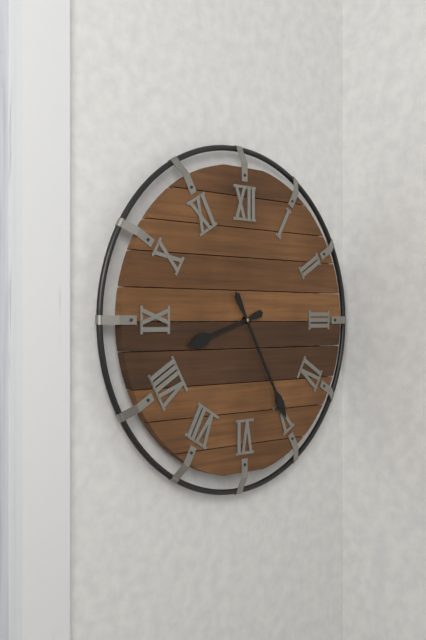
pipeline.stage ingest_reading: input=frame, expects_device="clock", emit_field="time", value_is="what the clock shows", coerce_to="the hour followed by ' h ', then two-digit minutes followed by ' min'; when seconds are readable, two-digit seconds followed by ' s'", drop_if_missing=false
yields 8 h 25 min
